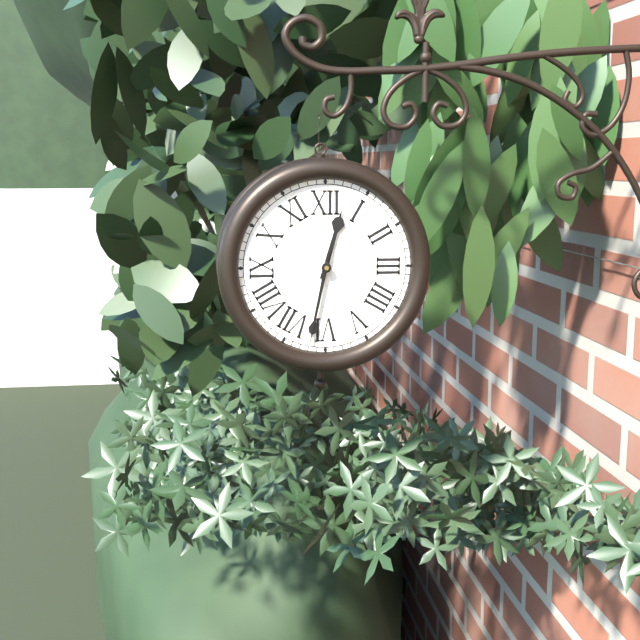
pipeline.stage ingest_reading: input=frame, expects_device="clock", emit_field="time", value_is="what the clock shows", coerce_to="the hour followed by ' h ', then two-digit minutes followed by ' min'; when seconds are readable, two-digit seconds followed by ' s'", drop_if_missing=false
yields 12 h 32 min 32 s
